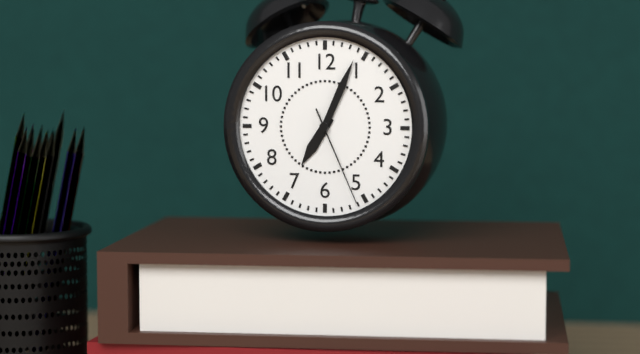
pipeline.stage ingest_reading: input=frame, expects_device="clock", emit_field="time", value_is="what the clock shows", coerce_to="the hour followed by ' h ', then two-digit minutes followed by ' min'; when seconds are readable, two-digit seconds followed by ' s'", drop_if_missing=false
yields 7 h 04 min 26 s
